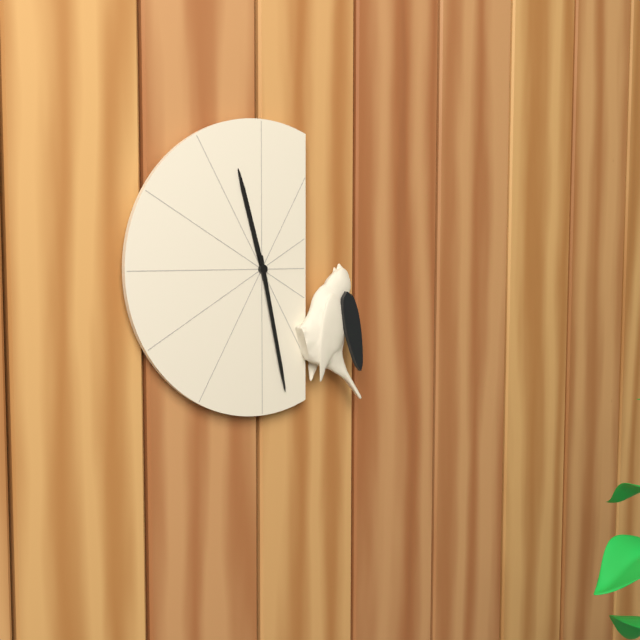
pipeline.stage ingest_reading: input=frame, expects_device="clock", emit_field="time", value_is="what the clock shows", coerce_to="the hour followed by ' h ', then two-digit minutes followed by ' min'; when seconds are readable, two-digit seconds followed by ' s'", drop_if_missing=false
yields 11 h 28 min
